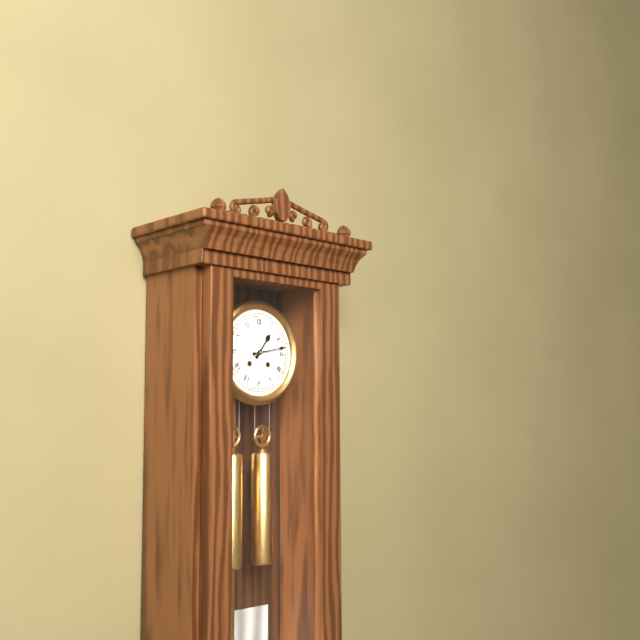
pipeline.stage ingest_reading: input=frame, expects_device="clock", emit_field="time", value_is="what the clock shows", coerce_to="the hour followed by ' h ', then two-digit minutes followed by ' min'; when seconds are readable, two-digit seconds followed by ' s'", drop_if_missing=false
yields 1 h 13 min
